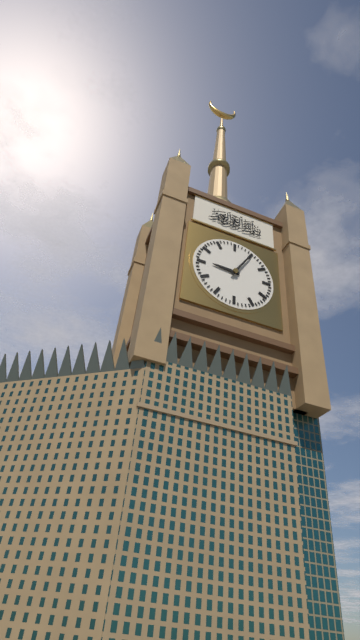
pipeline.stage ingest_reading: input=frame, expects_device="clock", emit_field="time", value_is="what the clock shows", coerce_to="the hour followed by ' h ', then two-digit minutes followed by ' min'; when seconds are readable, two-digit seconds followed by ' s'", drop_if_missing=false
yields 9 h 05 min
